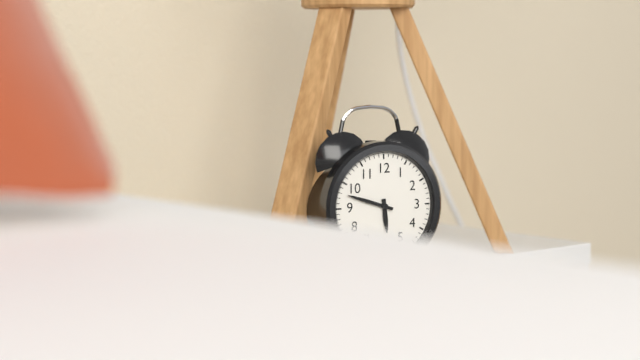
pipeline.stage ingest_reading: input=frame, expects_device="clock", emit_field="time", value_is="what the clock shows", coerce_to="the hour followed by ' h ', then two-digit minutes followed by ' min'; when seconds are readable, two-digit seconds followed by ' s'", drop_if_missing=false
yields 5 h 48 min
